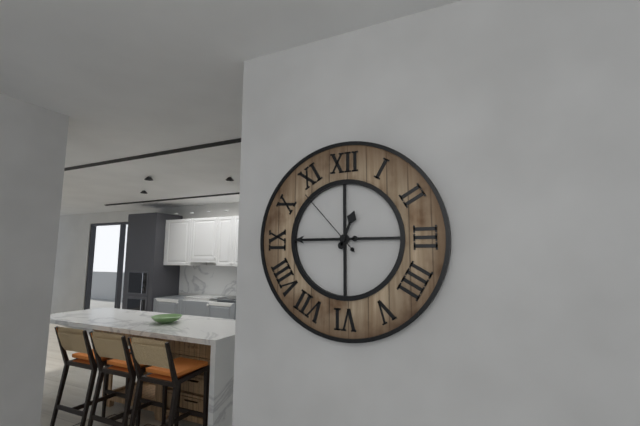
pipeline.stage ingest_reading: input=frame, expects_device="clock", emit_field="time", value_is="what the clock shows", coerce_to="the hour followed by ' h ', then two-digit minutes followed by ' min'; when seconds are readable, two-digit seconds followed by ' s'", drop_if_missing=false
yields 12 h 45 min 53 s
